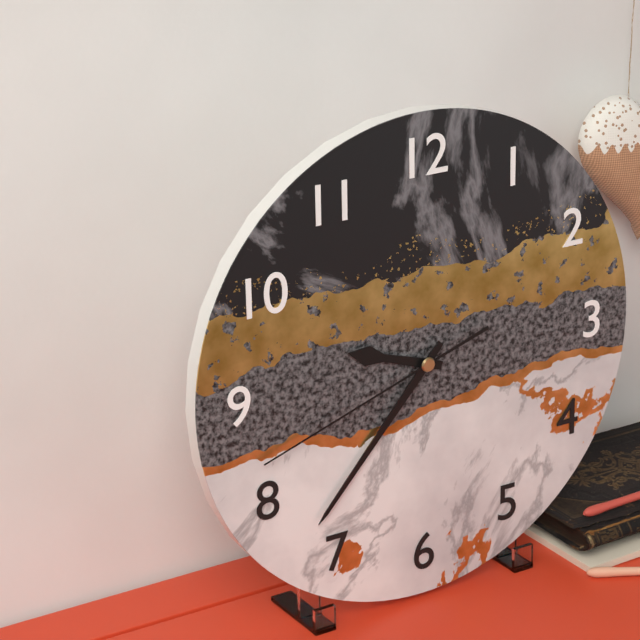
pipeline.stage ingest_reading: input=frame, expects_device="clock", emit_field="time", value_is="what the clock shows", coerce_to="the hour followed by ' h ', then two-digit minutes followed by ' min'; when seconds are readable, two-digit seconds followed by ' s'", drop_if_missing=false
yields 9 h 37 min 42 s
